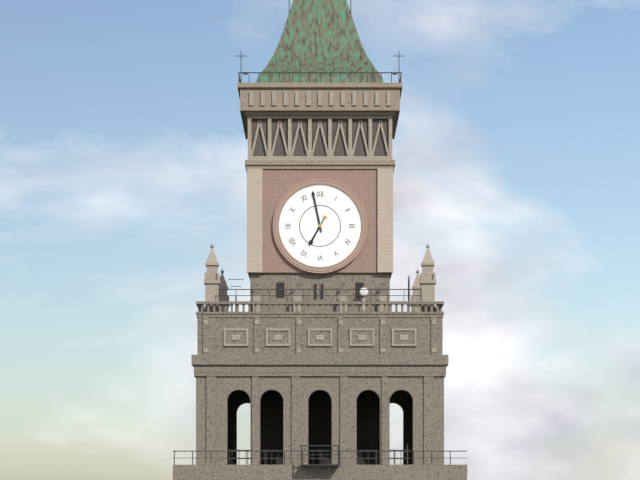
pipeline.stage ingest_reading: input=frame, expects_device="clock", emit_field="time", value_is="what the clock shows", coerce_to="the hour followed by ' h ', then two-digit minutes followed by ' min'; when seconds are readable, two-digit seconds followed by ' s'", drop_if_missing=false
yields 6 h 58 min
